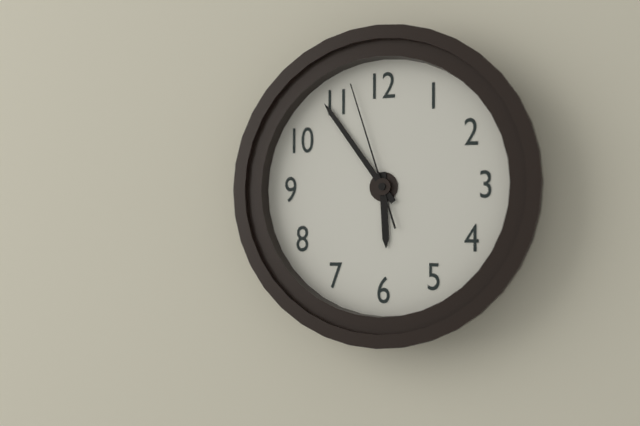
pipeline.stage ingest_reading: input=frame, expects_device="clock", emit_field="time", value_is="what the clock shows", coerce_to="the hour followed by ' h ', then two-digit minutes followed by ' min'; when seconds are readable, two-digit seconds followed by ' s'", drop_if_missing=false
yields 5 h 54 min 57 s
